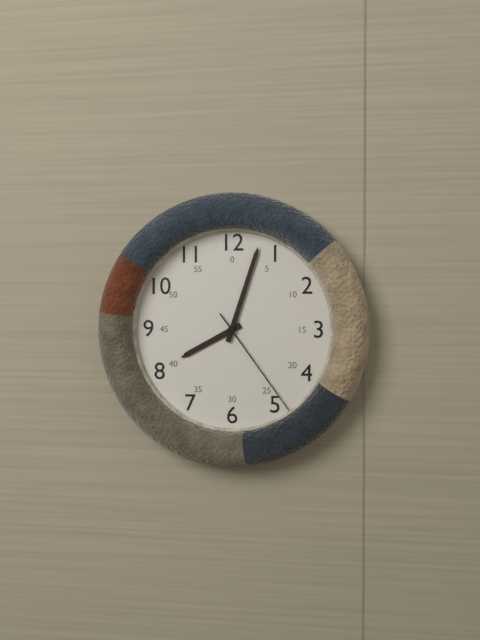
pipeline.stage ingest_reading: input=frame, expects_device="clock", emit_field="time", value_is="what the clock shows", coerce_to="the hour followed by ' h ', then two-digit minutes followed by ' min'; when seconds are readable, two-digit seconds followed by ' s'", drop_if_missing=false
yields 8 h 03 min 24 s
